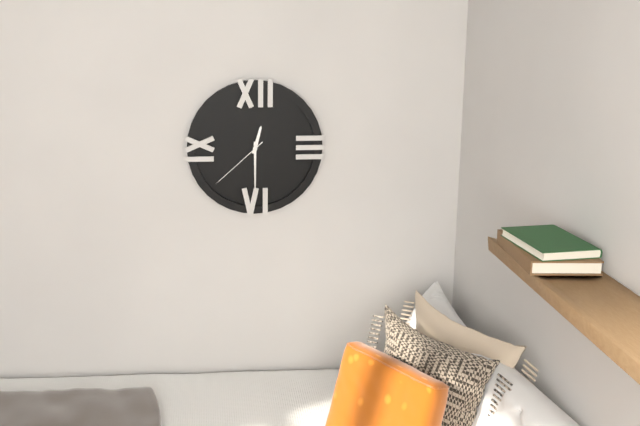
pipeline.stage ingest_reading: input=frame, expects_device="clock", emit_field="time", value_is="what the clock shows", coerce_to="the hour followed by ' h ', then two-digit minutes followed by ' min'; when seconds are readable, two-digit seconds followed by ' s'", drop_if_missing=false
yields 12 h 30 min 38 s
